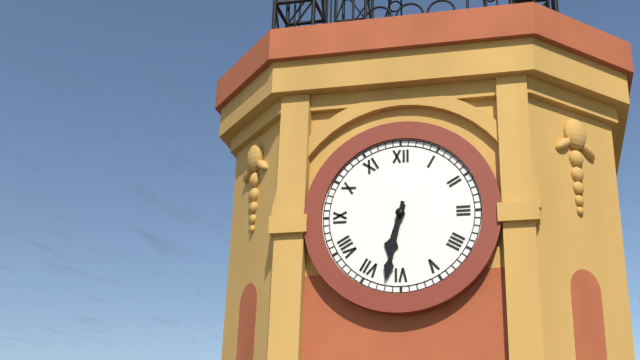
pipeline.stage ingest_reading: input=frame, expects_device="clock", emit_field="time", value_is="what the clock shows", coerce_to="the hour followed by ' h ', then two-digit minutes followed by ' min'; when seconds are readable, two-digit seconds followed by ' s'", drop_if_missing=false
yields 6 h 32 min
